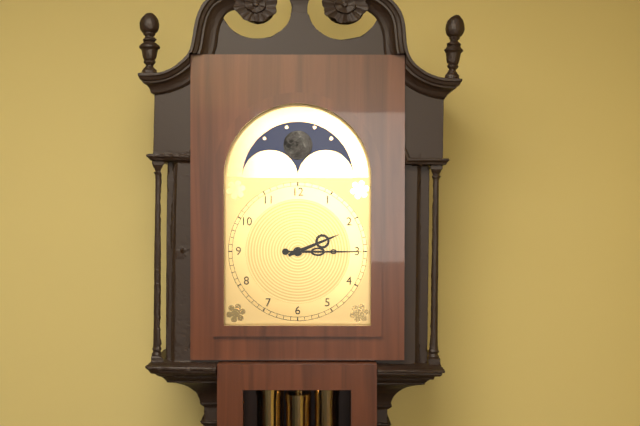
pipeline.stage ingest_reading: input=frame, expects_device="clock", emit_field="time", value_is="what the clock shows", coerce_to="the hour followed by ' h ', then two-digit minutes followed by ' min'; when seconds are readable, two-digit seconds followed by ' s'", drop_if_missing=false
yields 2 h 15 min
